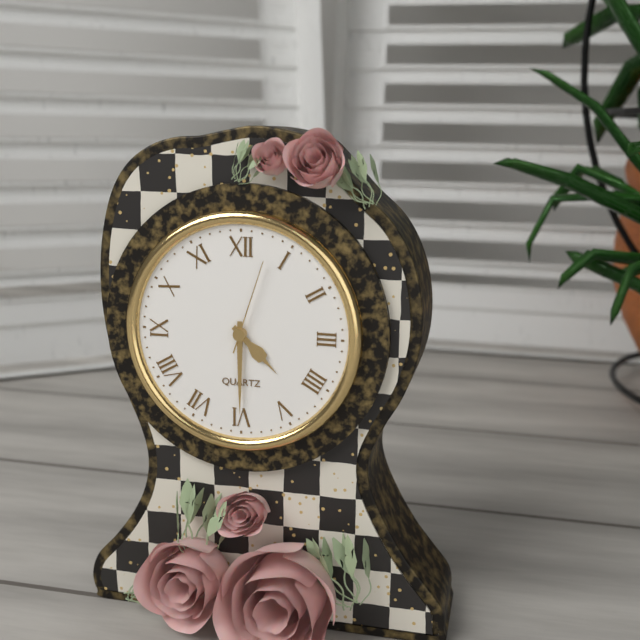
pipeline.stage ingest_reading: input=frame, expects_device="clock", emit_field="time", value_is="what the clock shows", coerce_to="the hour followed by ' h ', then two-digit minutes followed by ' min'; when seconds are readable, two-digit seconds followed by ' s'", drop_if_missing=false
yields 4 h 30 min 03 s
